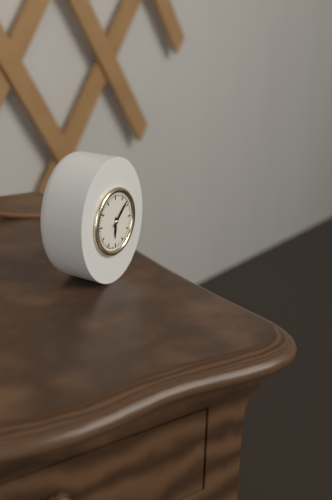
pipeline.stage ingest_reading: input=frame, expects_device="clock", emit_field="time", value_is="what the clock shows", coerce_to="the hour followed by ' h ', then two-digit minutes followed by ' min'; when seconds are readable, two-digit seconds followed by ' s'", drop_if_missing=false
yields 6 h 08 min
